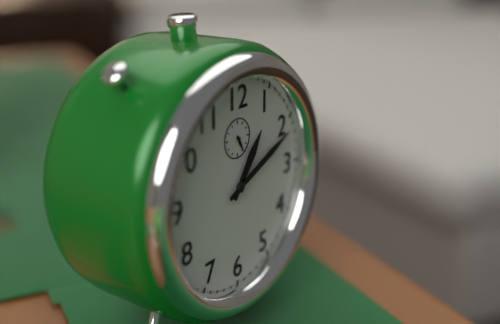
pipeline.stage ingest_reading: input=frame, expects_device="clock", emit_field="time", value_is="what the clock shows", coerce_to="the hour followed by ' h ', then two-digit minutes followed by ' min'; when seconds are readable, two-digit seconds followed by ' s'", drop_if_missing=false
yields 1 h 11 min
